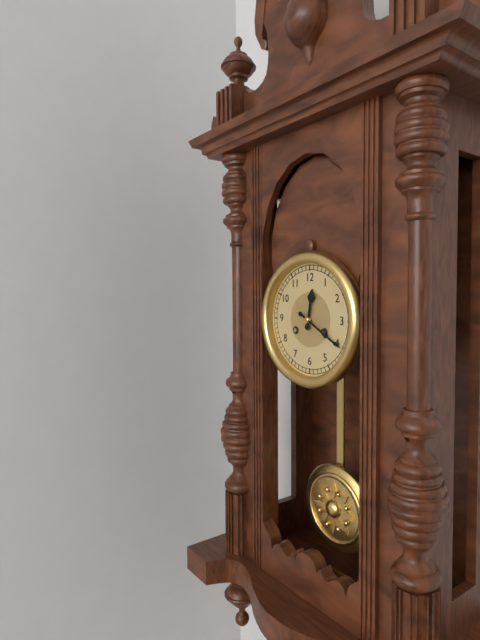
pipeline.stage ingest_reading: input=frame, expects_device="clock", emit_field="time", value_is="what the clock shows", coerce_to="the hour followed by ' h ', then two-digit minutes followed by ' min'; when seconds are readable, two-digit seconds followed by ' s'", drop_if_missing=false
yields 12 h 20 min
